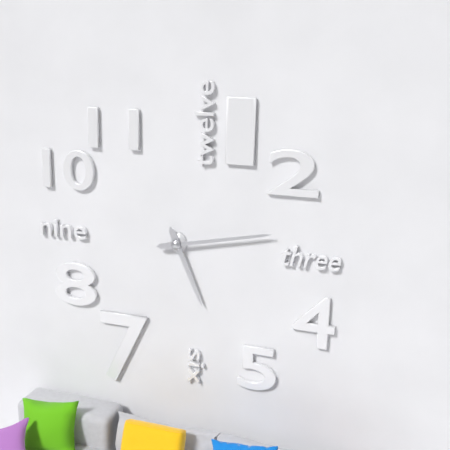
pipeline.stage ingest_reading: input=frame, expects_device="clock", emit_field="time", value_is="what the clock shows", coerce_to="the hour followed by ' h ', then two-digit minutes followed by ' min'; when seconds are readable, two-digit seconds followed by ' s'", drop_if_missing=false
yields 5 h 13 min
